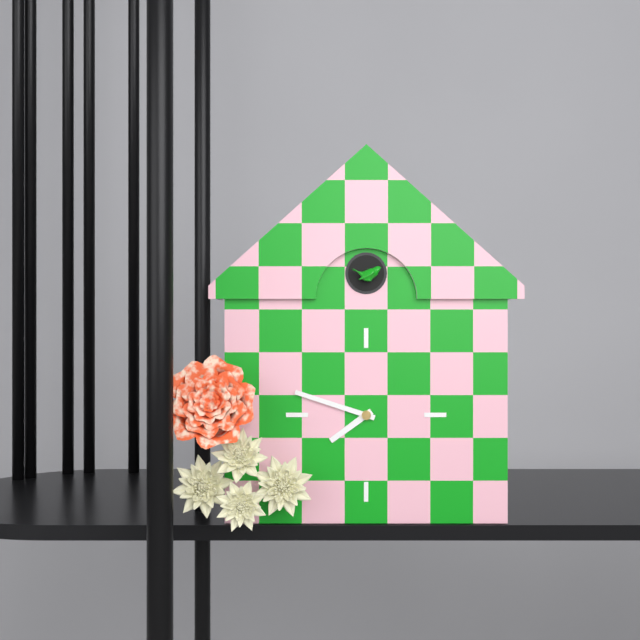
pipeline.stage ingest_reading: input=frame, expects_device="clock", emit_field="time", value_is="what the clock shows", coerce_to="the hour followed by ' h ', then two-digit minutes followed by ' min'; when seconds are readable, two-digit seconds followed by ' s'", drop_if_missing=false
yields 7 h 48 min
